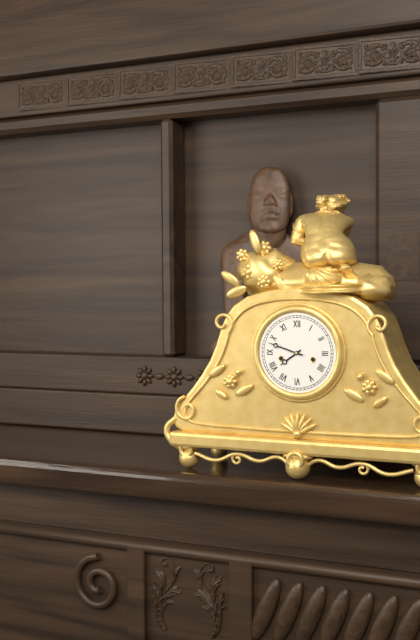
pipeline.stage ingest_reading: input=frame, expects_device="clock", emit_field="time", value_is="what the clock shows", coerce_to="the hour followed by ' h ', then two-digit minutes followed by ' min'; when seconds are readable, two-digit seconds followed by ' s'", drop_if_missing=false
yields 7 h 48 min
